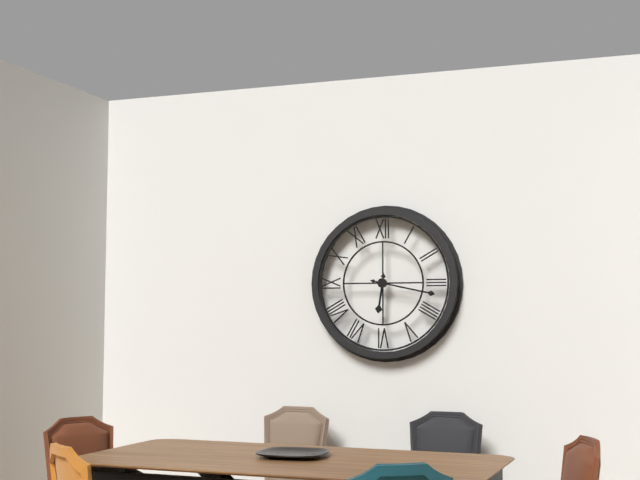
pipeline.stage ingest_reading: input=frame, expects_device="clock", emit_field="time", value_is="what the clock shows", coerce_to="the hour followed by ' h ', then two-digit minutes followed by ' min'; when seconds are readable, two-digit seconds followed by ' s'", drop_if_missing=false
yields 6 h 17 min
